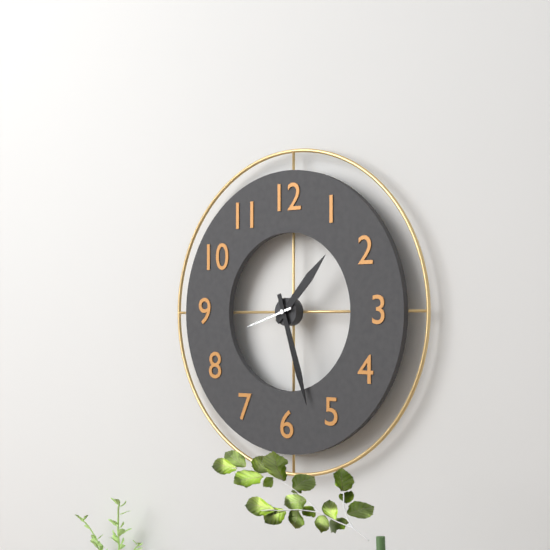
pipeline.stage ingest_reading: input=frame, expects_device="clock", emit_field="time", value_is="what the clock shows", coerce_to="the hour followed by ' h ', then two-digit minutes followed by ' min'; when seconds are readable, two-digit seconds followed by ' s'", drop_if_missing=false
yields 1 h 27 min
